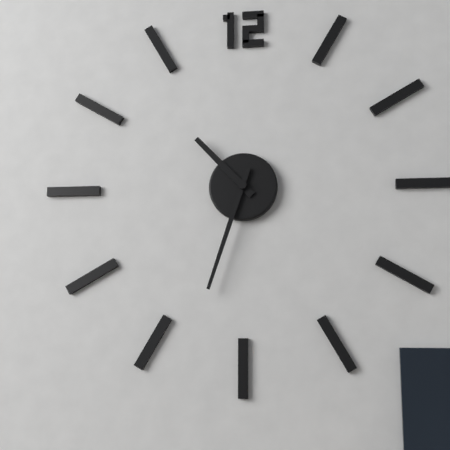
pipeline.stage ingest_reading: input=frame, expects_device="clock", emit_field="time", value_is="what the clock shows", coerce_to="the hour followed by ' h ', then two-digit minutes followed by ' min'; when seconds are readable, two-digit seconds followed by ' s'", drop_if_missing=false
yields 10 h 33 min
